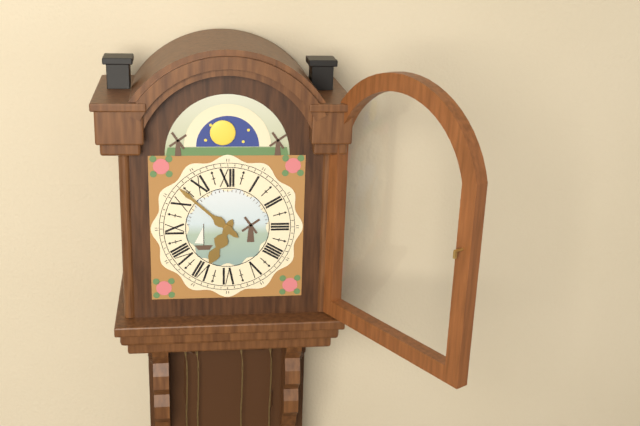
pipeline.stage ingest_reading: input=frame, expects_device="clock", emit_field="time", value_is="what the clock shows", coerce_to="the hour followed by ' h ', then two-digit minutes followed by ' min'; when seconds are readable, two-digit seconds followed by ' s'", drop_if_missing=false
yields 6 h 52 min
